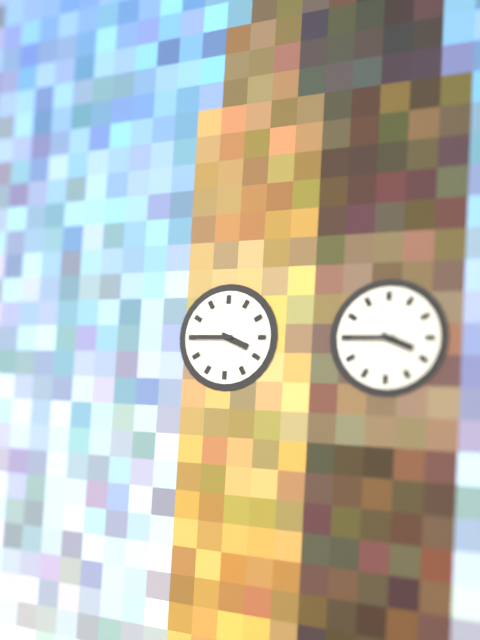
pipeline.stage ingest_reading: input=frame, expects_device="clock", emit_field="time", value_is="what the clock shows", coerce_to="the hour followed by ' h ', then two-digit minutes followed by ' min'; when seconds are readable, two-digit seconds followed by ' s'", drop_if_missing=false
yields 3 h 45 min
